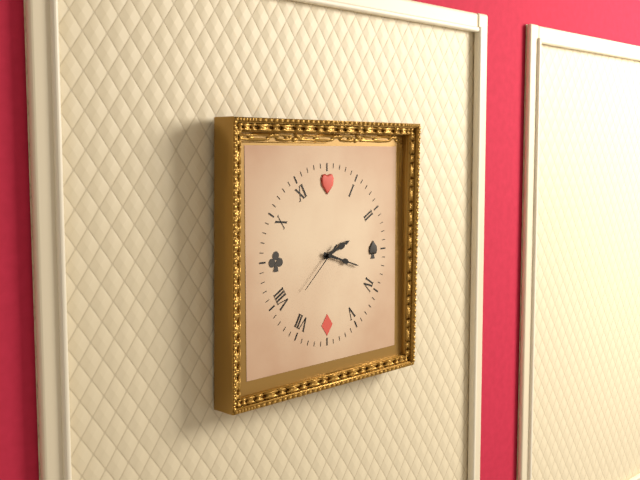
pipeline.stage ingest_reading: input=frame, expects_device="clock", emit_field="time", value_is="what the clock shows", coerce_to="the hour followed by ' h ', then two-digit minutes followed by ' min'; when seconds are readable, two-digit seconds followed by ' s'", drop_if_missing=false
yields 2 h 18 min 38 s
